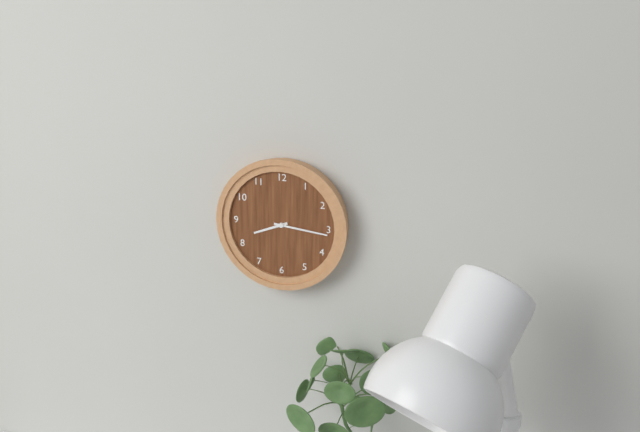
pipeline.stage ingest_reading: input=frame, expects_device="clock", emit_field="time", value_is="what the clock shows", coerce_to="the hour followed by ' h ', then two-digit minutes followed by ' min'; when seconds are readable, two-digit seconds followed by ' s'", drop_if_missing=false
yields 8 h 16 min
